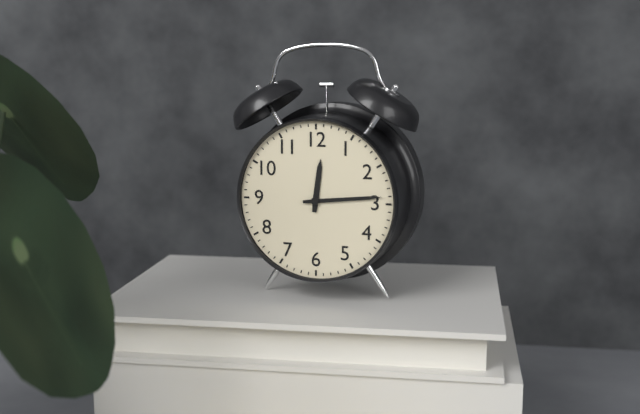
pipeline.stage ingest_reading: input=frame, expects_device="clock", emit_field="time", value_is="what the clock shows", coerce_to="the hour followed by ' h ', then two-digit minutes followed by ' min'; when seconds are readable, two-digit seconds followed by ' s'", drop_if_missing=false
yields 12 h 14 min
